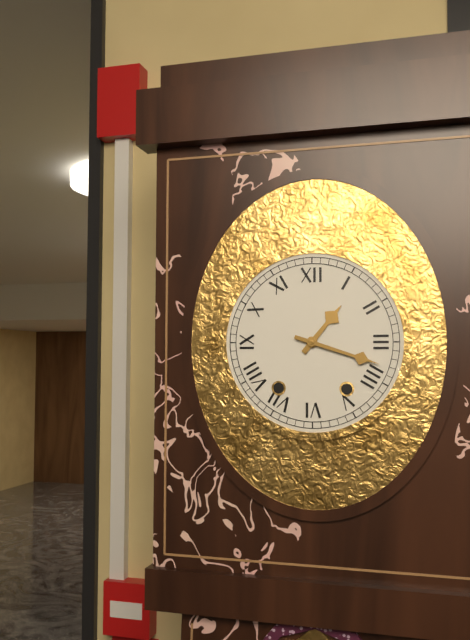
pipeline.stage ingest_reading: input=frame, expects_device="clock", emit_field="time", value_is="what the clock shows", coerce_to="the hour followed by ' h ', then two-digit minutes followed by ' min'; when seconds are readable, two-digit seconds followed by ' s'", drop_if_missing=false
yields 1 h 18 min
